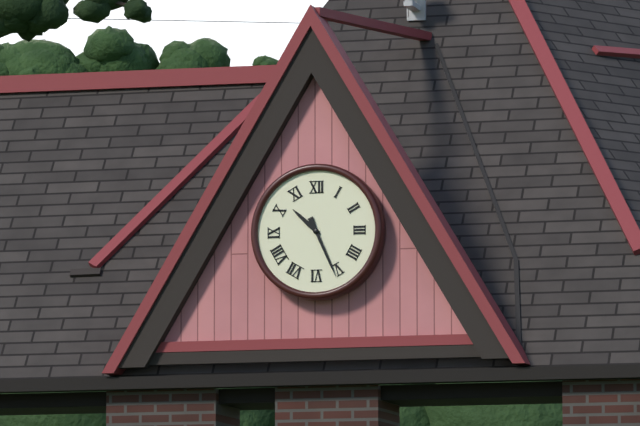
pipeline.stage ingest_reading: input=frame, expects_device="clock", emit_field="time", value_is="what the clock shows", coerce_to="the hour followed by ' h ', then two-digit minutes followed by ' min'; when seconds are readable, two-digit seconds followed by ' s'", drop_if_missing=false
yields 10 h 26 min
